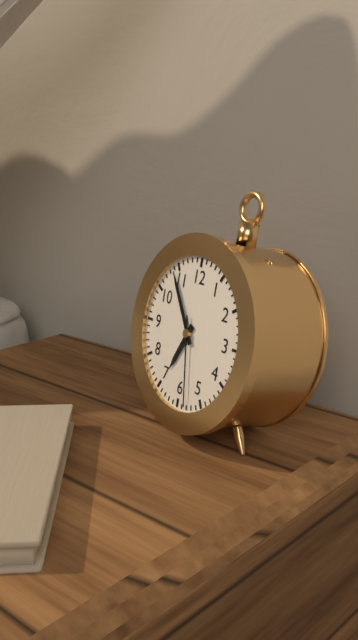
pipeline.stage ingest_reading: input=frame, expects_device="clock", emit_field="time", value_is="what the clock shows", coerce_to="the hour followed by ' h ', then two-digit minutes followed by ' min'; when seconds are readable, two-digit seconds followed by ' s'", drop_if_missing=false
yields 6 h 54 min 28 s
